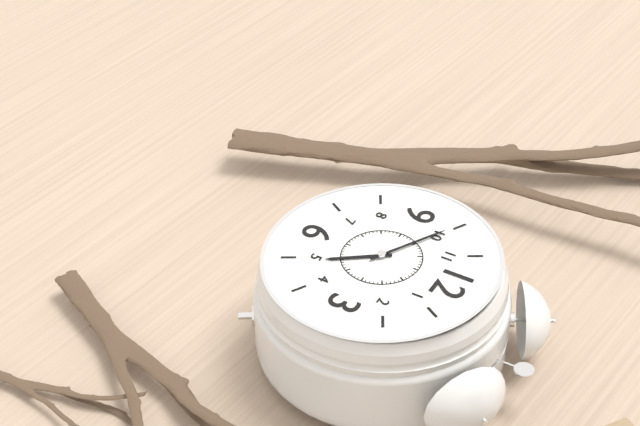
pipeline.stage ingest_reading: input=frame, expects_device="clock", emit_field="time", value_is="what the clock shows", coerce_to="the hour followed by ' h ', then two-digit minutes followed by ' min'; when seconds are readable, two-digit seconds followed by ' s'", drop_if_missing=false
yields 4 h 50 min
